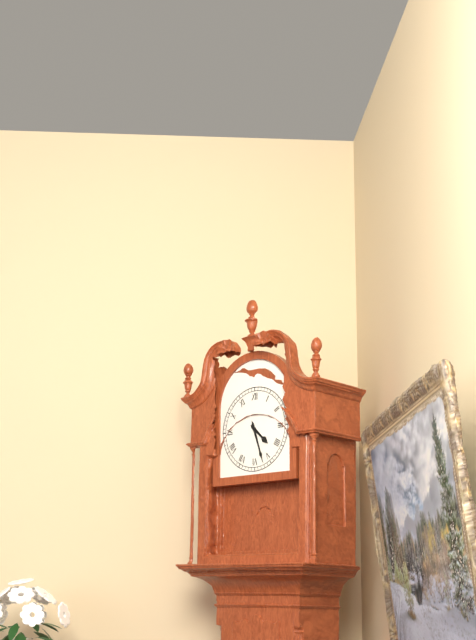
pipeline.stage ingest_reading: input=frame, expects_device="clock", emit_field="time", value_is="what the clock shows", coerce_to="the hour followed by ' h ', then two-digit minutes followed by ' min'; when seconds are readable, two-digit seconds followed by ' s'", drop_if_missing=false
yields 4 h 27 min
